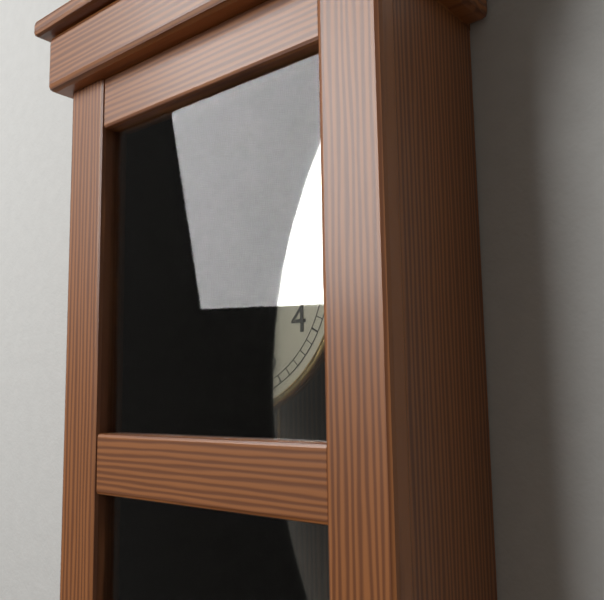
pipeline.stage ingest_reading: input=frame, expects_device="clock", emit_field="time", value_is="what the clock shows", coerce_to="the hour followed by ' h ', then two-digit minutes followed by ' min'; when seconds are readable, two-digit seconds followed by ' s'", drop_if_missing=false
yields 4 h 49 min
